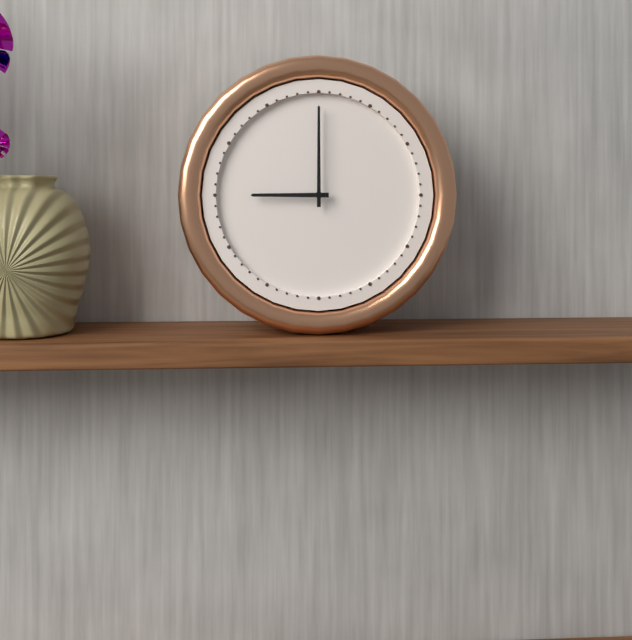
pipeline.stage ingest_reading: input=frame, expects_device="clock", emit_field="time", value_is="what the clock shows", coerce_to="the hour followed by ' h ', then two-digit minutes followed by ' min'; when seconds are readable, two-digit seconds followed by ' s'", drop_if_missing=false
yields 9 h 00 min
